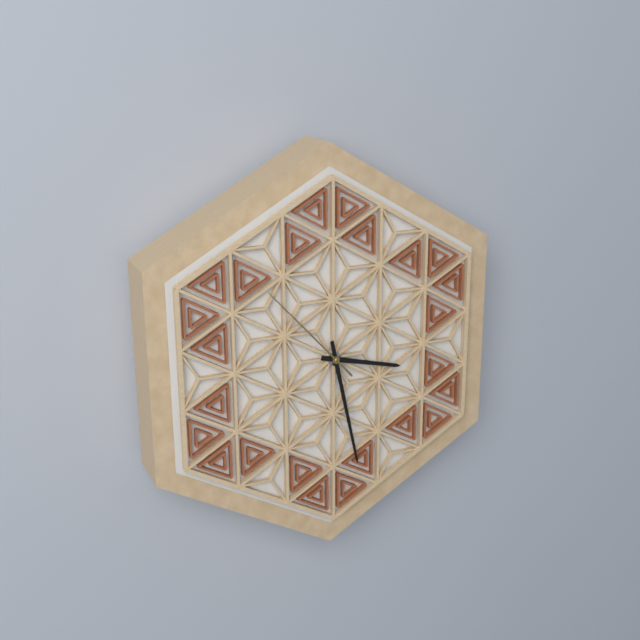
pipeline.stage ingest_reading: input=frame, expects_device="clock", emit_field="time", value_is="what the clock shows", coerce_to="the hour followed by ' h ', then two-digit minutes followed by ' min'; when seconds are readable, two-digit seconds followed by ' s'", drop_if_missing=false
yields 3 h 28 min 53 s
